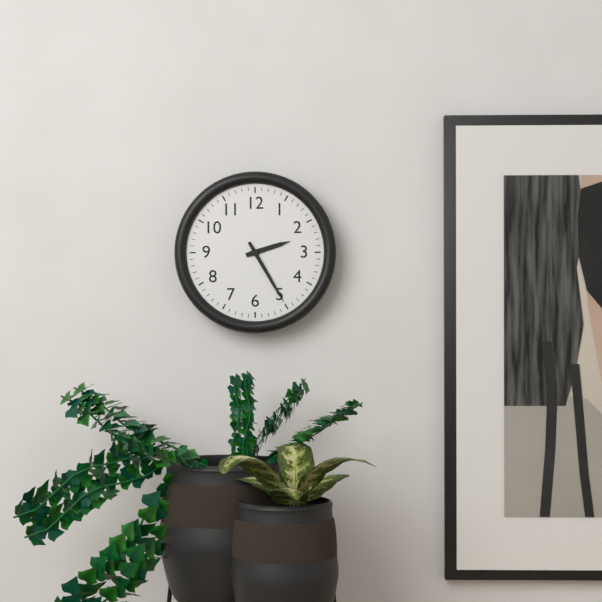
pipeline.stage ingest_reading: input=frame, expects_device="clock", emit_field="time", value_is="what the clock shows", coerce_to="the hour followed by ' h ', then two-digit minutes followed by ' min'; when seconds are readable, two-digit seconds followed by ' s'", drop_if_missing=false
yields 2 h 25 min
